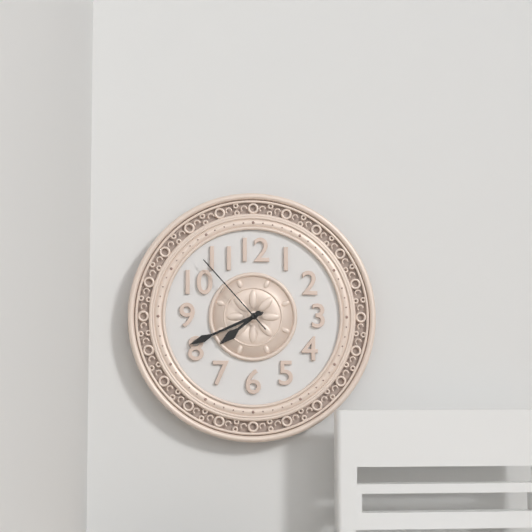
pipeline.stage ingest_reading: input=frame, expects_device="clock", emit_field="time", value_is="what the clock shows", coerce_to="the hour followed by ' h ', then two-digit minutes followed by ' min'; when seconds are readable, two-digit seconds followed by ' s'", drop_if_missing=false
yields 7 h 41 min 53 s
